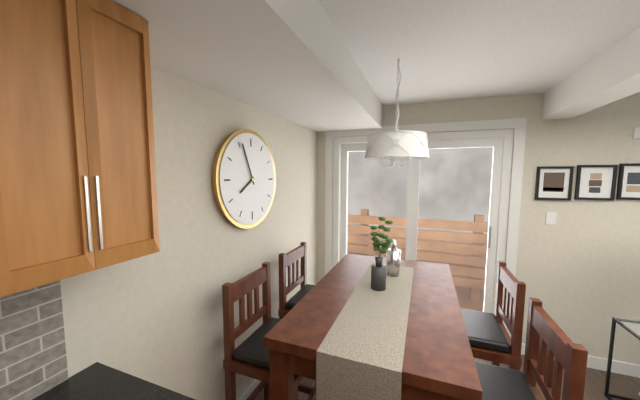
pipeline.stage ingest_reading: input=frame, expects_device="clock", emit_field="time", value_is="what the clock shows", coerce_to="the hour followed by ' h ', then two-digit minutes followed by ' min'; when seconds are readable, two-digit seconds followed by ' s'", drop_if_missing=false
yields 7 h 56 min
